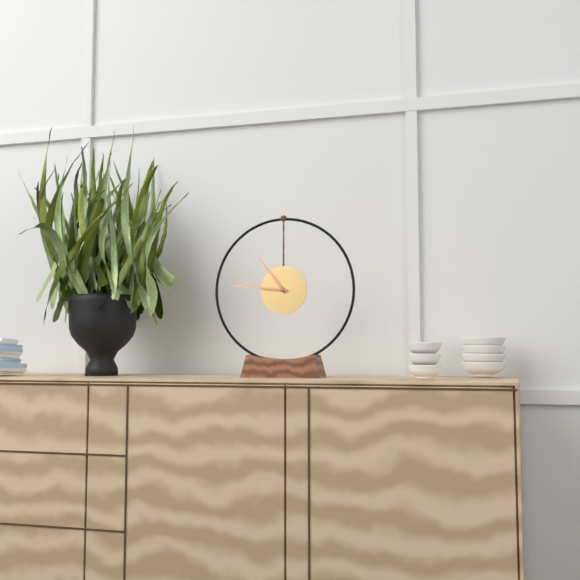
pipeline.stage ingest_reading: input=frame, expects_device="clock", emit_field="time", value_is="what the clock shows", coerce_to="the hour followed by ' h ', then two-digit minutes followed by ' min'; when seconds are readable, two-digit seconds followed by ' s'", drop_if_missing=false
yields 10 h 46 min
